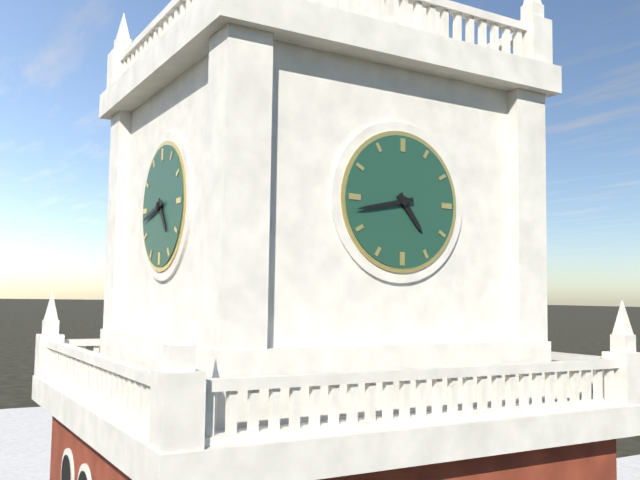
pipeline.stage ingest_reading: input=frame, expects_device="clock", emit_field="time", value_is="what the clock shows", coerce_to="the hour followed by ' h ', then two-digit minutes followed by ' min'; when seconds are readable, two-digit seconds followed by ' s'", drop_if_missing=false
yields 4 h 43 min
